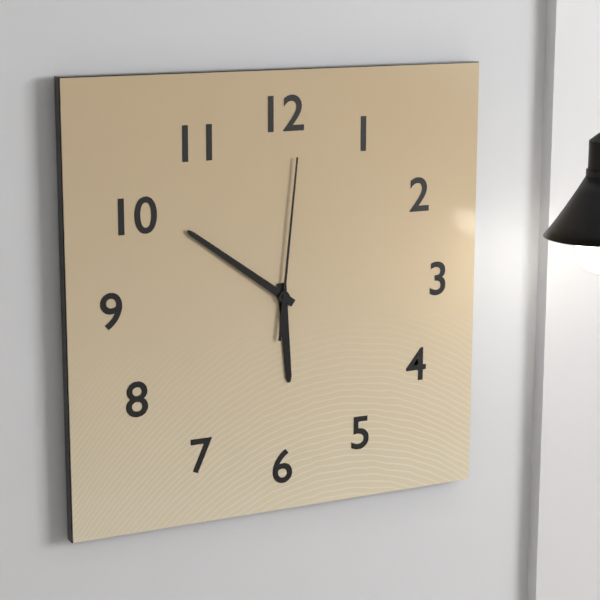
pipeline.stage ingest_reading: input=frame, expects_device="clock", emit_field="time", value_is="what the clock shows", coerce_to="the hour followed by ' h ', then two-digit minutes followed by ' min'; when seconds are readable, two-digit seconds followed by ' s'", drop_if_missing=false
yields 5 h 51 min 01 s
